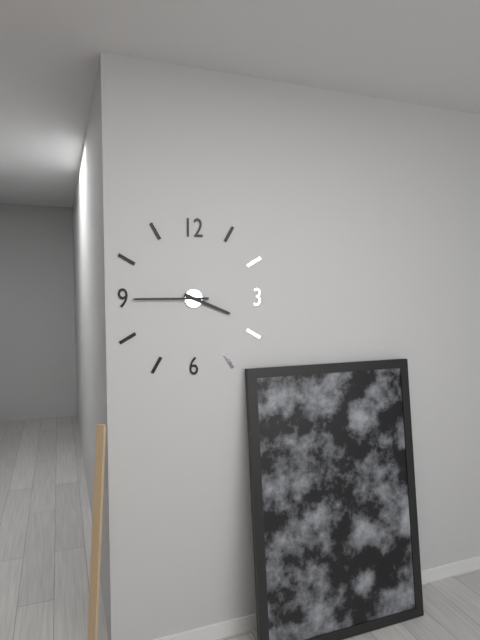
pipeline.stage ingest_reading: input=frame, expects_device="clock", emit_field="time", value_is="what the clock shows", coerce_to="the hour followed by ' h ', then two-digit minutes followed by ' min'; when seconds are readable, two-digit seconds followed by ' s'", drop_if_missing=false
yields 3 h 45 min
